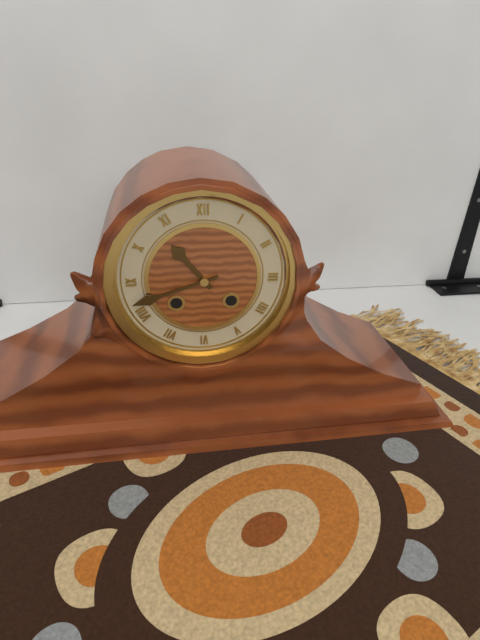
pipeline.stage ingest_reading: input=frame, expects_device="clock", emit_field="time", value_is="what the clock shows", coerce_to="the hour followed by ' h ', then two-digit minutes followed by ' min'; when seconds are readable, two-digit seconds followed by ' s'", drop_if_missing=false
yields 10 h 42 min
